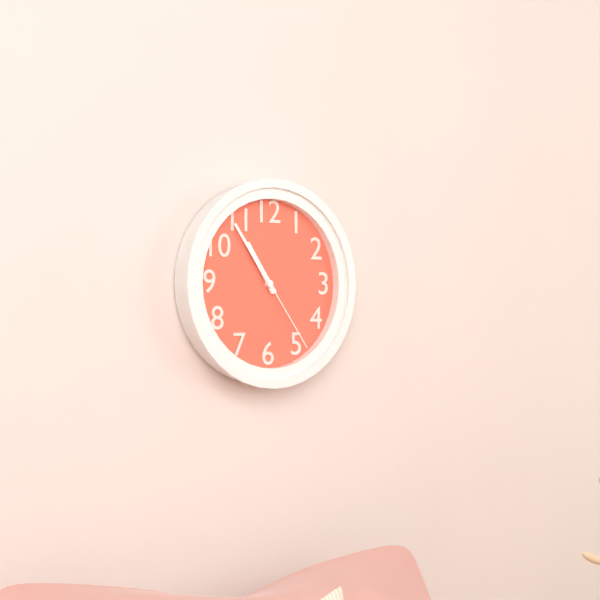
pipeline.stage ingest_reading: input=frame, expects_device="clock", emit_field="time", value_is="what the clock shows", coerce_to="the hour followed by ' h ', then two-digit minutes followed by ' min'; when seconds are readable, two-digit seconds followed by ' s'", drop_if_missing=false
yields 10 h 54 min 24 s
